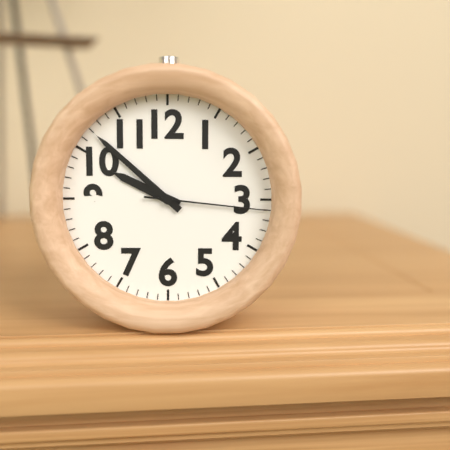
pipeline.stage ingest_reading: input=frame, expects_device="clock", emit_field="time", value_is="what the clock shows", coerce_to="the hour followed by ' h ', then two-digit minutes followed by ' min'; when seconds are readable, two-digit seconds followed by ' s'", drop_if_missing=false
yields 9 h 52 min 16 s
